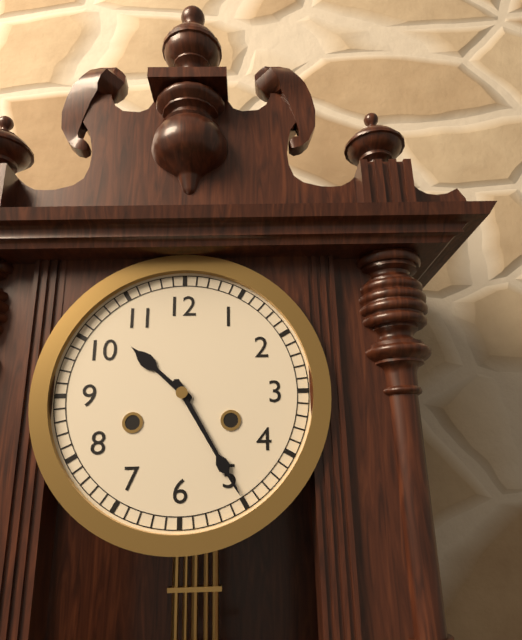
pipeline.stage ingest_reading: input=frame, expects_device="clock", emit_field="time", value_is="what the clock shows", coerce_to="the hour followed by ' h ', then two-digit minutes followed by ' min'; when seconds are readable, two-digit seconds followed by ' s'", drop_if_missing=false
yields 10 h 25 min
